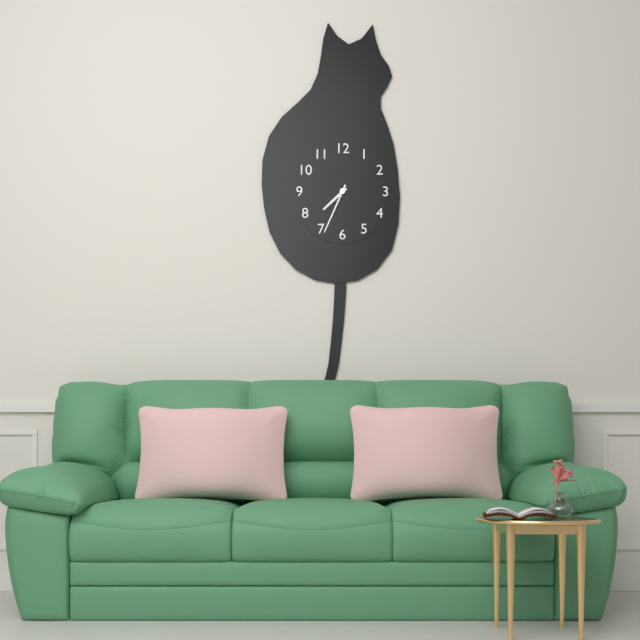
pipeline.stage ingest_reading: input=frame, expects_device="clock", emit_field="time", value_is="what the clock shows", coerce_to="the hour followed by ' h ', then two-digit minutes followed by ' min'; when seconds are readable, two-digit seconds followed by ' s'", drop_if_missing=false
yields 7 h 34 min
